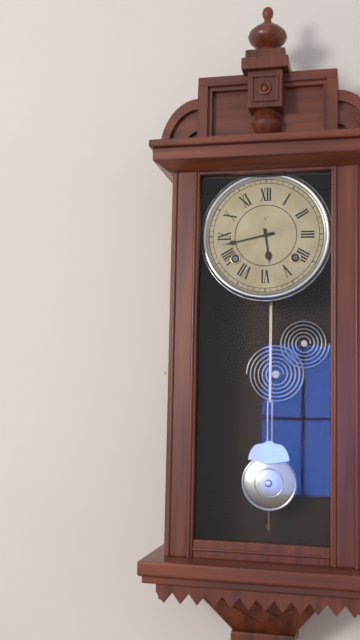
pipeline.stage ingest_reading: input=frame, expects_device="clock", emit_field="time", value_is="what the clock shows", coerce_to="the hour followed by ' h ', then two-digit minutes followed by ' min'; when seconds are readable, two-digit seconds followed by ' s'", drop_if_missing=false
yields 5 h 43 min
